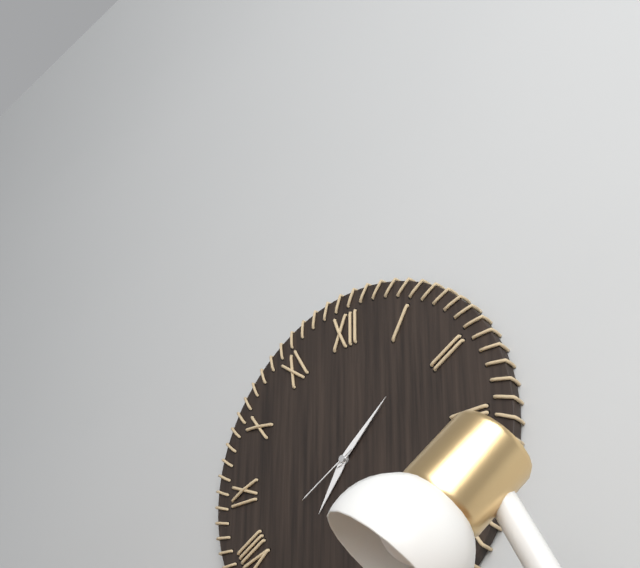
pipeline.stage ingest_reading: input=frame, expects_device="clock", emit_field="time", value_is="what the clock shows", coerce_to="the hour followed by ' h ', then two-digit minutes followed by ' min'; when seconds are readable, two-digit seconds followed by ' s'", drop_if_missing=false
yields 7 h 08 min 40 s
